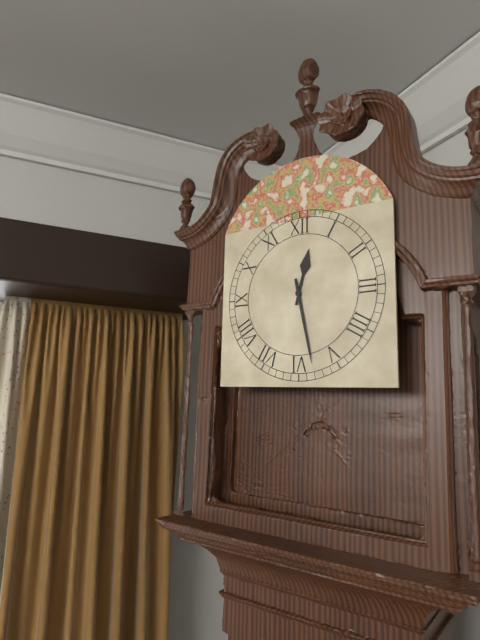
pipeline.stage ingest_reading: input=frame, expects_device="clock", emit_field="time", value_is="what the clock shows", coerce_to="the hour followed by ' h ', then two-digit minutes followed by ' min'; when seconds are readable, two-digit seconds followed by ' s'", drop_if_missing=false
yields 12 h 28 min
